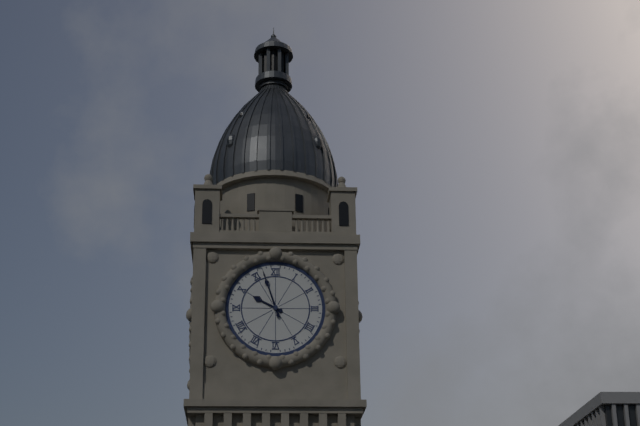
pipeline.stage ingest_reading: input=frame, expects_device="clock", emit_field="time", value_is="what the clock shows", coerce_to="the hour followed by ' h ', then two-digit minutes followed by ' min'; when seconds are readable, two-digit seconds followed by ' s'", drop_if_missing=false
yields 9 h 57 min
